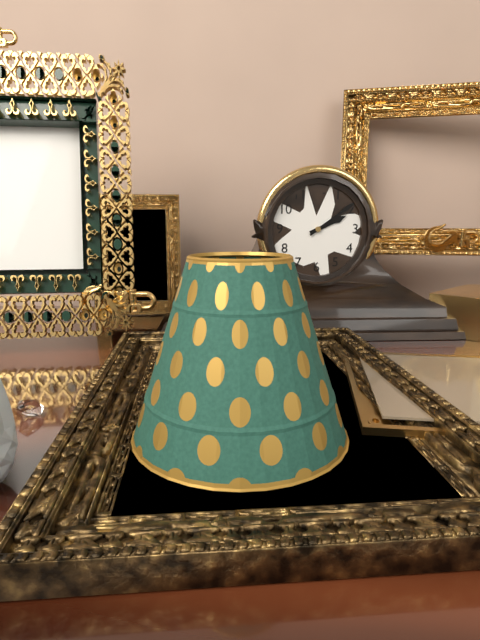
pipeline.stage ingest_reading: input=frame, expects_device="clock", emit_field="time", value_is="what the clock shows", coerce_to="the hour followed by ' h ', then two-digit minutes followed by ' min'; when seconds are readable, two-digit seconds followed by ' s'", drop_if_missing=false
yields 2 h 09 min
